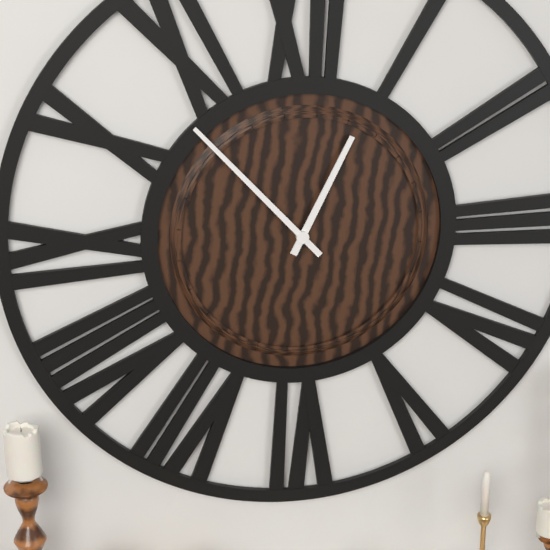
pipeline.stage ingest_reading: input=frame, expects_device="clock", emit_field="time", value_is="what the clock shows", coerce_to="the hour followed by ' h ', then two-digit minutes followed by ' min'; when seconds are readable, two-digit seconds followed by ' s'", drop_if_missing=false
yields 12 h 53 min
